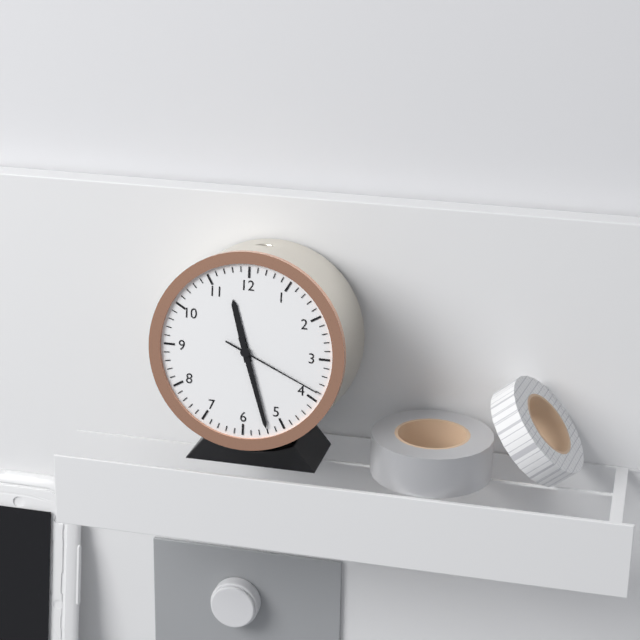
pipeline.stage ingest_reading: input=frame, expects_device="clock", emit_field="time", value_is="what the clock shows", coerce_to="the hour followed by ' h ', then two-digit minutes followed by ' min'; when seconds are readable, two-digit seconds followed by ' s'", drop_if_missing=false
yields 11 h 27 min 19 s
